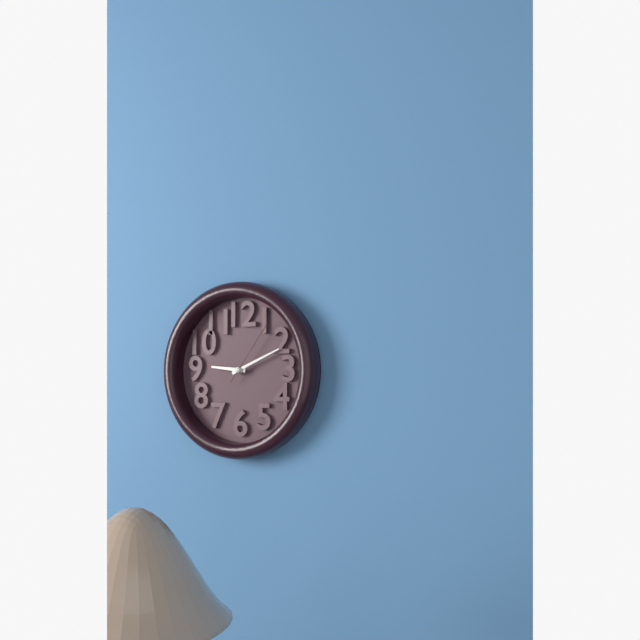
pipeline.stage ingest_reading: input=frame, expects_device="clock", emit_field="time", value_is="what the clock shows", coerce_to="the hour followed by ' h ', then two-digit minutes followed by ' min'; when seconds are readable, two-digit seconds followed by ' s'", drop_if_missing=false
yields 9 h 11 min 06 s
